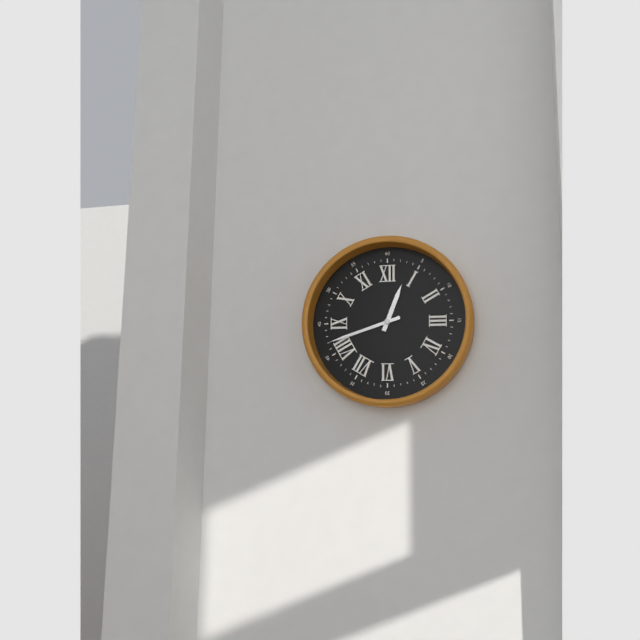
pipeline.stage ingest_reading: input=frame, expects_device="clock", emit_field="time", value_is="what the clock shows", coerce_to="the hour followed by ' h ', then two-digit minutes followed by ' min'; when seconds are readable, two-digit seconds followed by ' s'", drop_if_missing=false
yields 12 h 42 min
